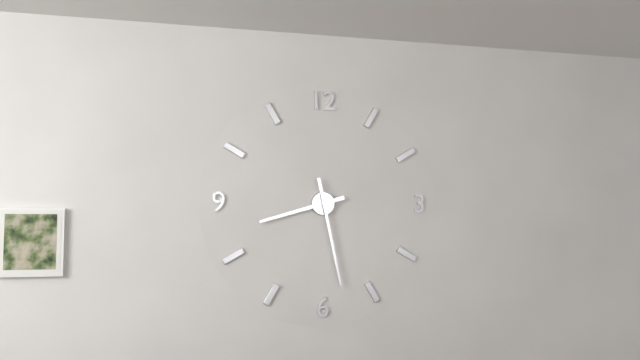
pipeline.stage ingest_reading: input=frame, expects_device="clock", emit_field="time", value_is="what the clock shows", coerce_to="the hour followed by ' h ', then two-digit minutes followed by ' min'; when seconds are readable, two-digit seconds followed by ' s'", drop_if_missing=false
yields 8 h 28 min
